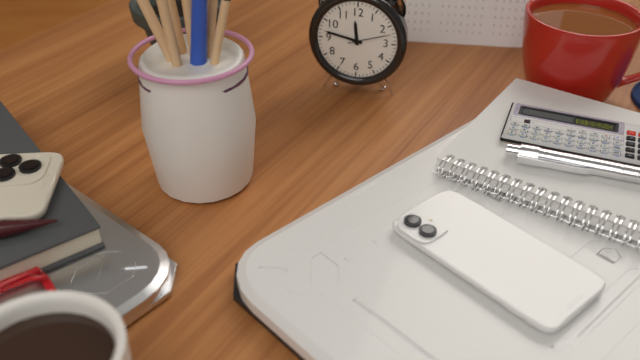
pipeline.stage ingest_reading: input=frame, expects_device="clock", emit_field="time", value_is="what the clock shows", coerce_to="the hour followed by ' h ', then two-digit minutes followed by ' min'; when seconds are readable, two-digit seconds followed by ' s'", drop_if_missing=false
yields 11 h 47 min
